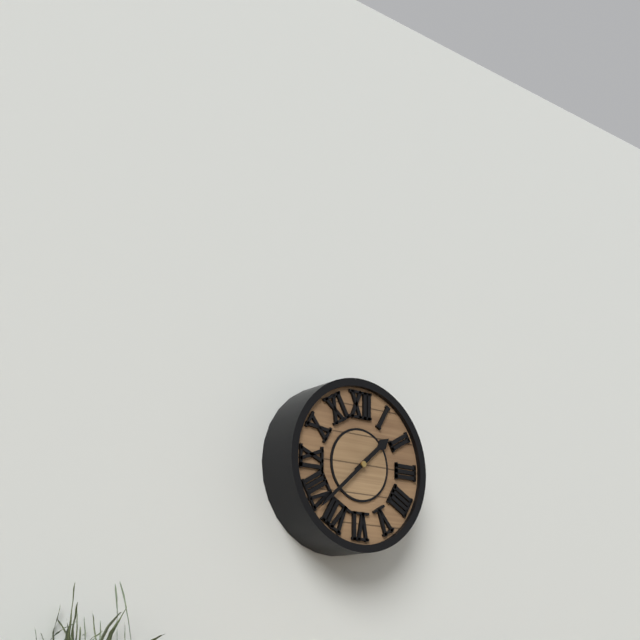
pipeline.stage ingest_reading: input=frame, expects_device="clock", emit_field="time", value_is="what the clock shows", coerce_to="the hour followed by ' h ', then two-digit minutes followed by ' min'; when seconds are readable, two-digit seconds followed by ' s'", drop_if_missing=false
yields 1 h 38 min
